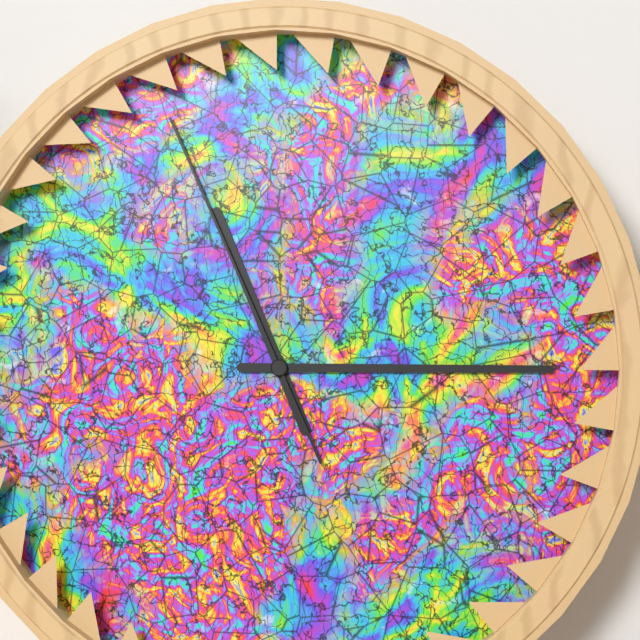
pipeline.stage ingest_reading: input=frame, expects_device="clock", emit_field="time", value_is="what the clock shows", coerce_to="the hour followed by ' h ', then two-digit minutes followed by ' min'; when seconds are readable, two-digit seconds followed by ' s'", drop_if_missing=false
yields 11 h 15 min 56 s
